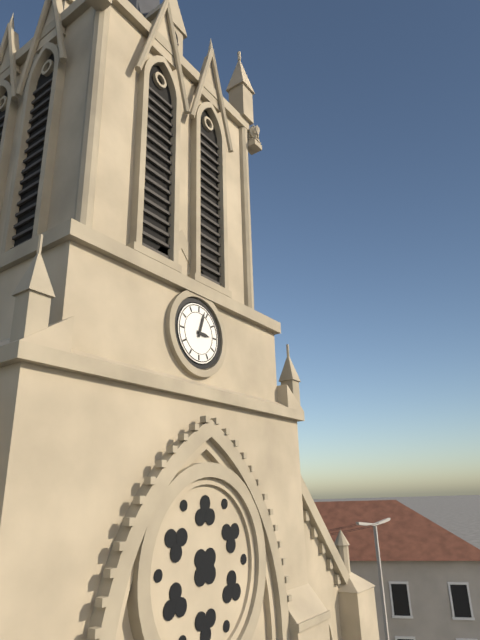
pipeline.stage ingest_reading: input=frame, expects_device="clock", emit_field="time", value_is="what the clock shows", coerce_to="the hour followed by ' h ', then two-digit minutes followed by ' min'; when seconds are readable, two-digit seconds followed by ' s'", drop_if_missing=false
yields 3 h 03 min
